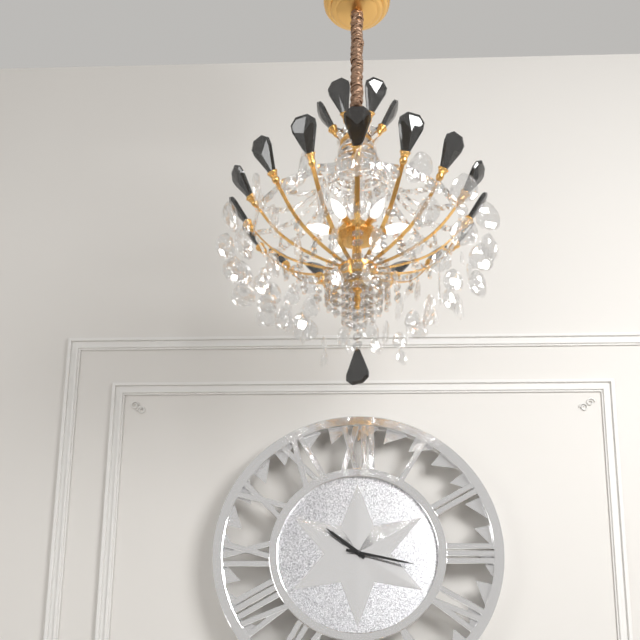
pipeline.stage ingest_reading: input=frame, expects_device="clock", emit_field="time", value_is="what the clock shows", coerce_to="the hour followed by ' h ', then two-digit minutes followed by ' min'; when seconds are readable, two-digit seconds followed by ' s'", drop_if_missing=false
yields 10 h 17 min
